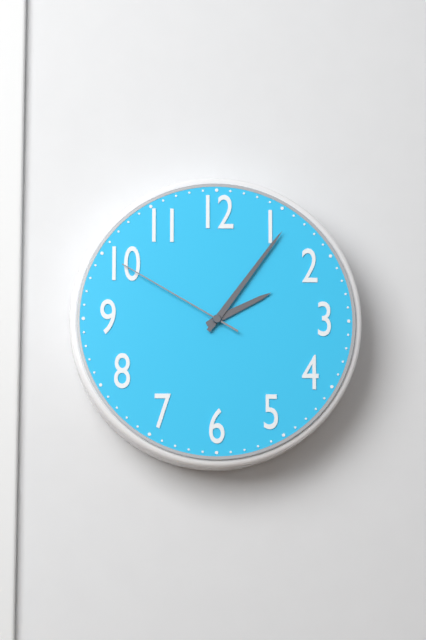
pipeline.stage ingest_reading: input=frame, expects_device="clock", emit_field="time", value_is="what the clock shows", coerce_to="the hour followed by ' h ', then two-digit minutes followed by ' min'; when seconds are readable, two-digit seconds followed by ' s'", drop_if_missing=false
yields 2 h 06 min 50 s
